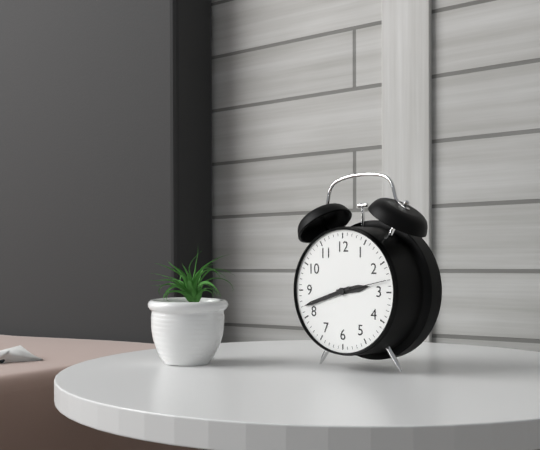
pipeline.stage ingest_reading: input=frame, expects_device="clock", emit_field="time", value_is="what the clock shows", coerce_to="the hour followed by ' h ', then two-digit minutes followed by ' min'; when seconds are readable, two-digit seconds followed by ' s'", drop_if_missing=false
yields 2 h 42 min 13 s
